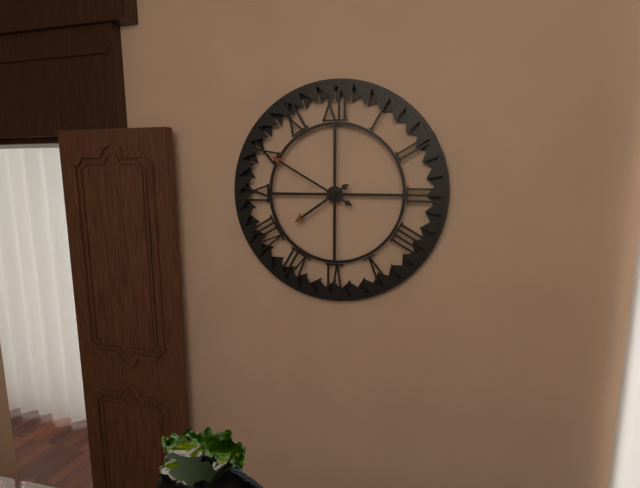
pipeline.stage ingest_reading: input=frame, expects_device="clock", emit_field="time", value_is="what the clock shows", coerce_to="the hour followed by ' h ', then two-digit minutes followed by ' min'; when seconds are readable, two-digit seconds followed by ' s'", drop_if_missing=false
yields 7 h 50 min
